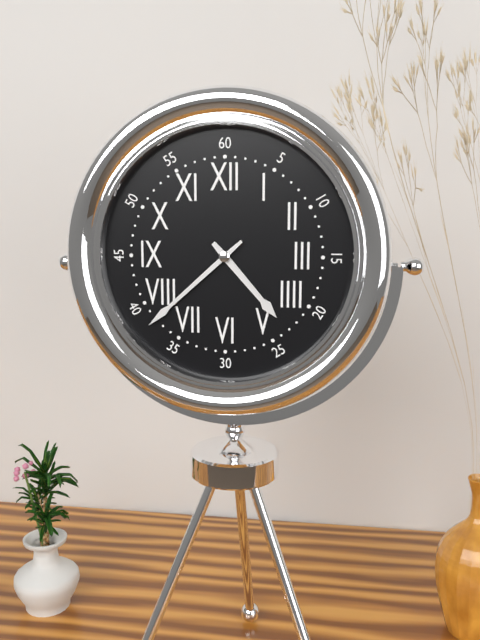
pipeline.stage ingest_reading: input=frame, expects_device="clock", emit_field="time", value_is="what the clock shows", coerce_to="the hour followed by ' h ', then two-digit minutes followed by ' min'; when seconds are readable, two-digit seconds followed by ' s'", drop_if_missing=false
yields 4 h 38 min
